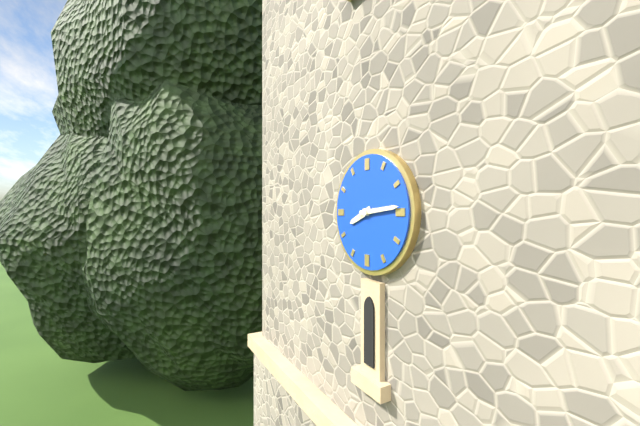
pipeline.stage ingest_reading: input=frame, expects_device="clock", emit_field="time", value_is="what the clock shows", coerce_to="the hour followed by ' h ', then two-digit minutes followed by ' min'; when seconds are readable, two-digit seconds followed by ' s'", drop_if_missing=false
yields 8 h 14 min
